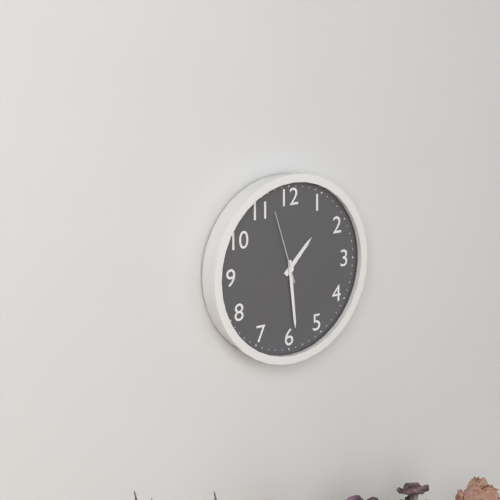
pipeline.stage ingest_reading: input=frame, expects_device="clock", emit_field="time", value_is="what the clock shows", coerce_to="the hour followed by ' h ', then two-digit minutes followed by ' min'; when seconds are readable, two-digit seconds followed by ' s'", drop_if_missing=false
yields 1 h 29 min 57 s
